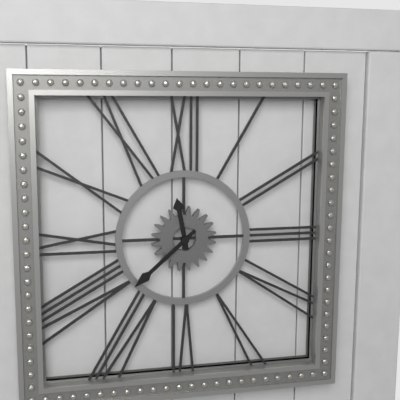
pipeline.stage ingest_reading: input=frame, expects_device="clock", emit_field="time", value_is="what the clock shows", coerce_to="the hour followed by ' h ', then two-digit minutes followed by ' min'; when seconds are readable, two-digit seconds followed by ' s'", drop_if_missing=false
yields 11 h 38 min
